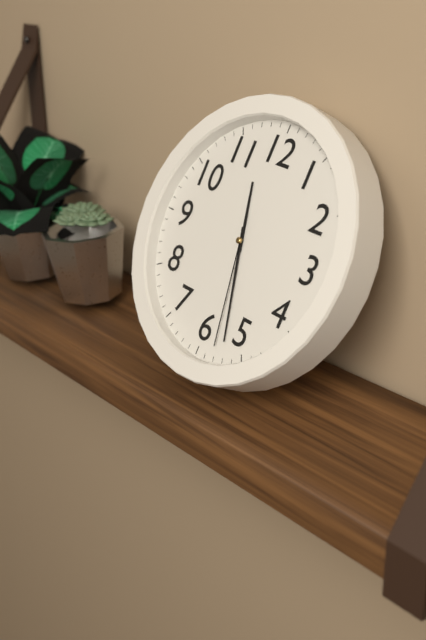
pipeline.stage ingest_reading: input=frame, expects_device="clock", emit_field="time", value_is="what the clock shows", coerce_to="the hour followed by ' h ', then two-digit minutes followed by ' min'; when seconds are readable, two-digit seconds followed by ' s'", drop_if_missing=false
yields 11 h 27 min 28 s
